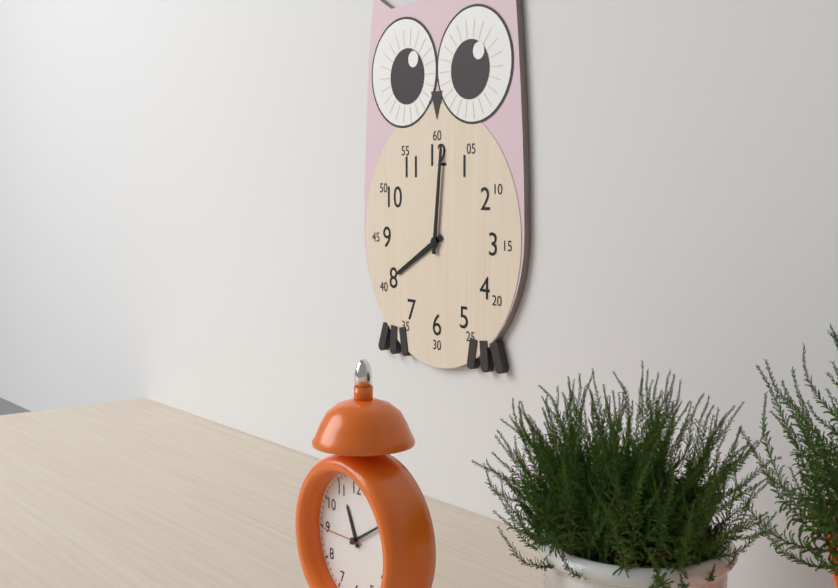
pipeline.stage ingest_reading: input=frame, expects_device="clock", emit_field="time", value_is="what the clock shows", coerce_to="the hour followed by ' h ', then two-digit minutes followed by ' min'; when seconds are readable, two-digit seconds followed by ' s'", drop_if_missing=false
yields 8 h 01 min
